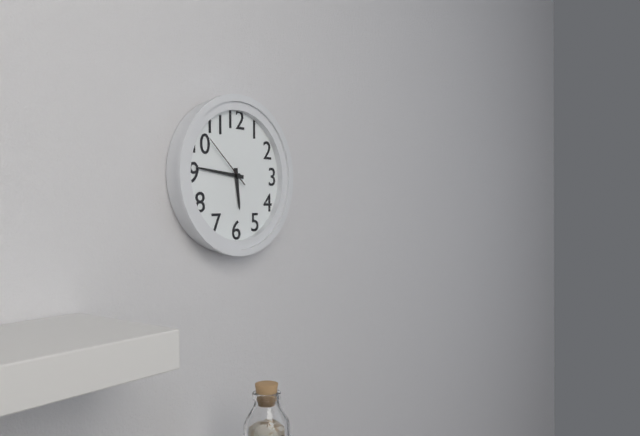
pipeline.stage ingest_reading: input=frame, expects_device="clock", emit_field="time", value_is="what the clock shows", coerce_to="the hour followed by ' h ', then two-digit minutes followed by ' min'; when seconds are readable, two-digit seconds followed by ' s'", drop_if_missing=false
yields 5 h 46 min 52 s
